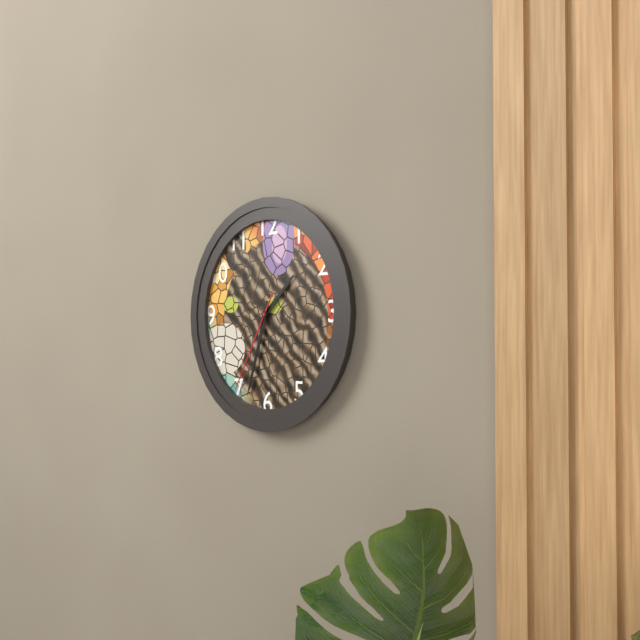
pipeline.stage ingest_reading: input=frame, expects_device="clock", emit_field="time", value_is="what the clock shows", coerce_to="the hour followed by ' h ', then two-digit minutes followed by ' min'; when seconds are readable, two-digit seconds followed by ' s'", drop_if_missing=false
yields 1 h 33 min 35 s
